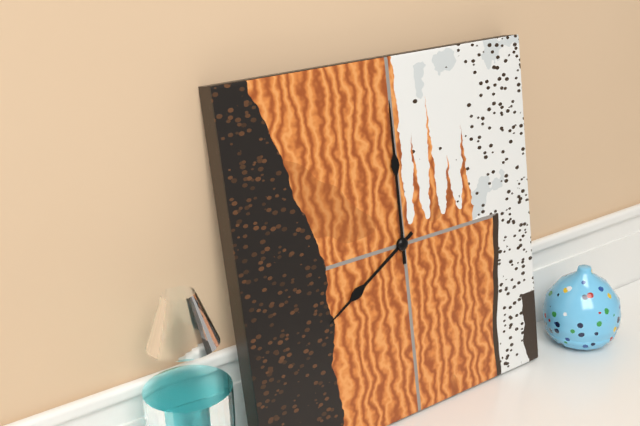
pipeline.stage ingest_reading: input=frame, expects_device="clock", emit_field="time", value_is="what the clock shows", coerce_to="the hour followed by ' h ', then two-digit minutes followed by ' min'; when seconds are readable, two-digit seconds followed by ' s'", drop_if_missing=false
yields 8 h 00 min
